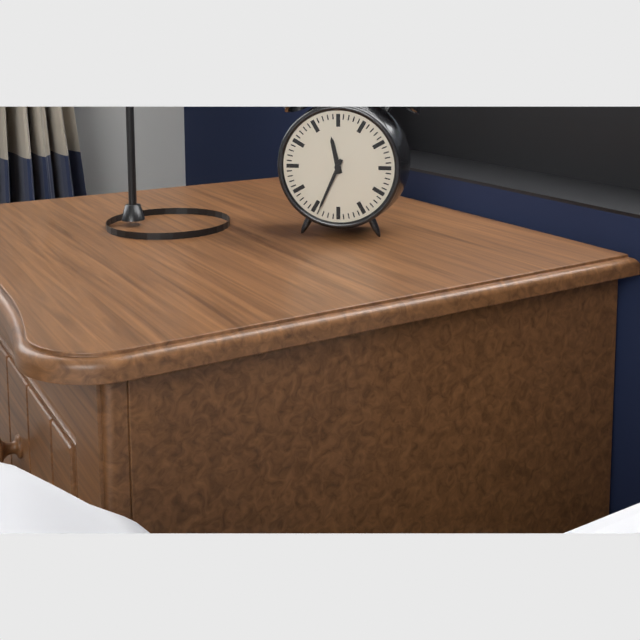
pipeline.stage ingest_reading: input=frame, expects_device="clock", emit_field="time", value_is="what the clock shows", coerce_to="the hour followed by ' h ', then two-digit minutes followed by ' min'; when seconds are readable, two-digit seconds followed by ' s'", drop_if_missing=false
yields 11 h 34 min
